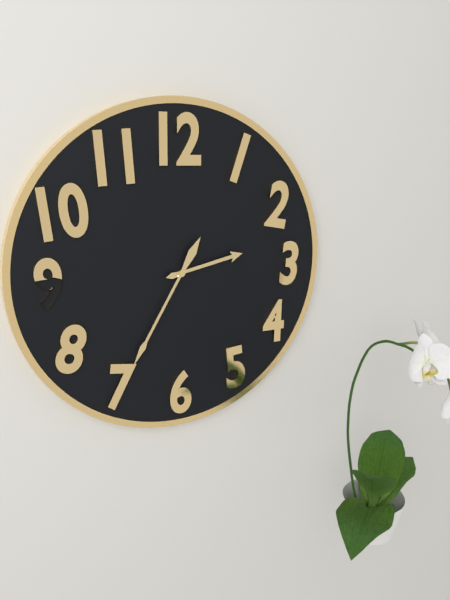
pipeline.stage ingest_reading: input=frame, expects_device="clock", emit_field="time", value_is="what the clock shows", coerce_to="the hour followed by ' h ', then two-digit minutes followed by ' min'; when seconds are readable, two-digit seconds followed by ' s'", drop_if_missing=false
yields 2 h 35 min
